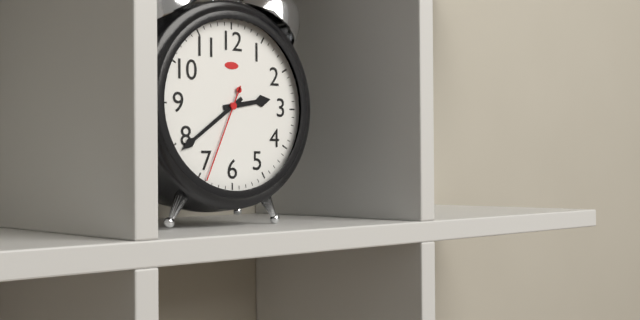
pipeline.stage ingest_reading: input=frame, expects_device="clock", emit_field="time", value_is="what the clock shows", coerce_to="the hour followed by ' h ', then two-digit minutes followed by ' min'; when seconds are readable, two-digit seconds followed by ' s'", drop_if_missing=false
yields 2 h 39 min 34 s
